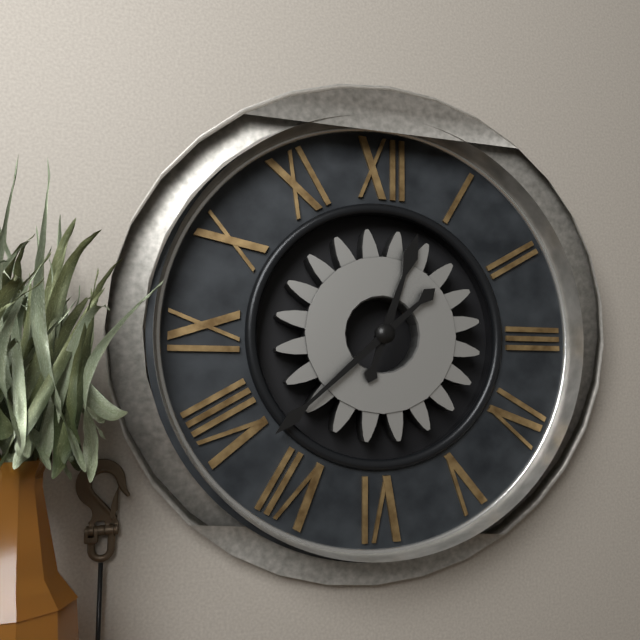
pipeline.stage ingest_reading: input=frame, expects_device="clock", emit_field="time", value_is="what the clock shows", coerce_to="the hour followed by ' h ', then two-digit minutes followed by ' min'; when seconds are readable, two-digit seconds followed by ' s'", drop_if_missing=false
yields 12 h 38 min
